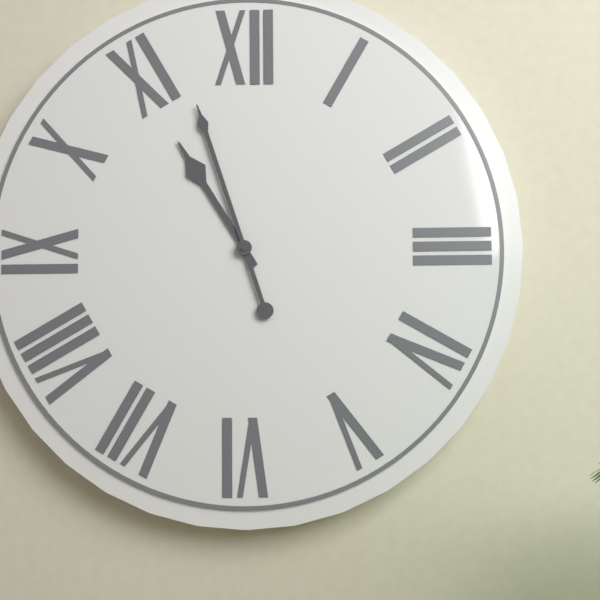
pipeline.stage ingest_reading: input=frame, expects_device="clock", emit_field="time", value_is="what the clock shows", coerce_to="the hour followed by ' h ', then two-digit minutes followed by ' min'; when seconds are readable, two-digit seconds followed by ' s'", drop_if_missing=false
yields 10 h 57 min
